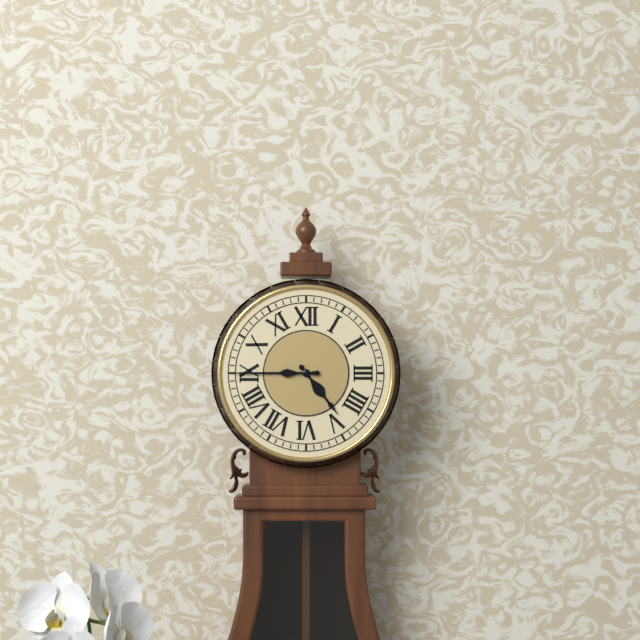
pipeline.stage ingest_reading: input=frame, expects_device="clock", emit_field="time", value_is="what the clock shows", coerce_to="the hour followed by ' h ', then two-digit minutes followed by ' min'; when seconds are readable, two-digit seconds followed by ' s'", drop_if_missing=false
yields 4 h 45 min
